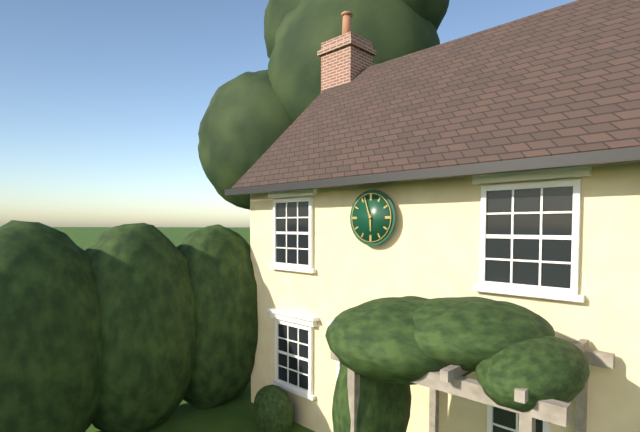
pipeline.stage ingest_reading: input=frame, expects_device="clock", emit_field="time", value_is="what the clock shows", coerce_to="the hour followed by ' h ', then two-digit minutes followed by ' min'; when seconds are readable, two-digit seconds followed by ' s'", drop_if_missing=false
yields 5 h 57 min
